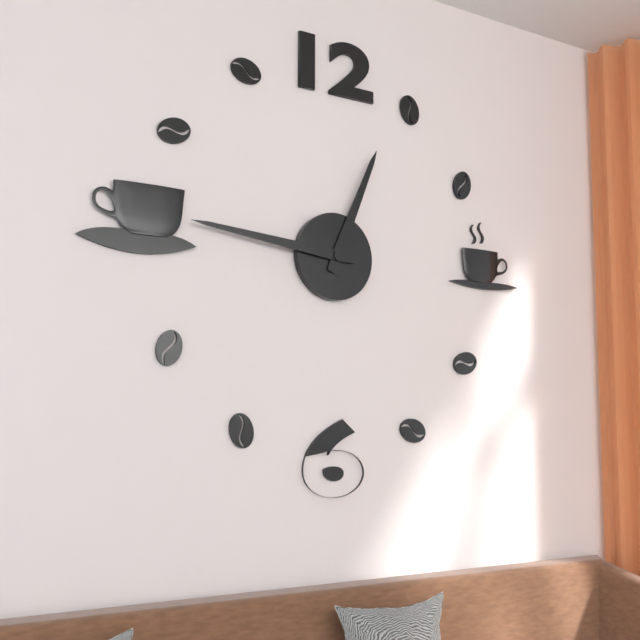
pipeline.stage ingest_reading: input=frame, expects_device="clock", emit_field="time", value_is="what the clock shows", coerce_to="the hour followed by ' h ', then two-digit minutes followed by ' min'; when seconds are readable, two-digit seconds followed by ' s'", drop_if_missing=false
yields 12 h 46 min
